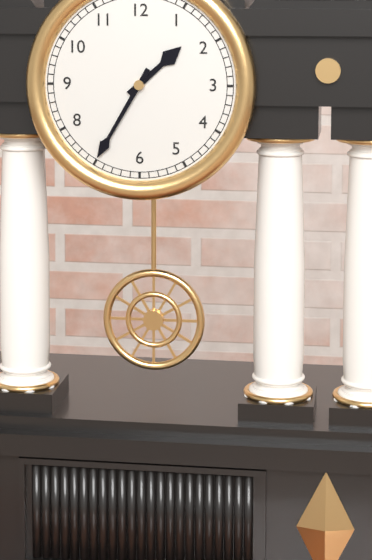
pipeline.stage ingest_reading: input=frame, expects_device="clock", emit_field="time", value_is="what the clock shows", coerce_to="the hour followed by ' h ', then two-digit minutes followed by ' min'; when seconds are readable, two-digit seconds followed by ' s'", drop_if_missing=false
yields 1 h 35 min
